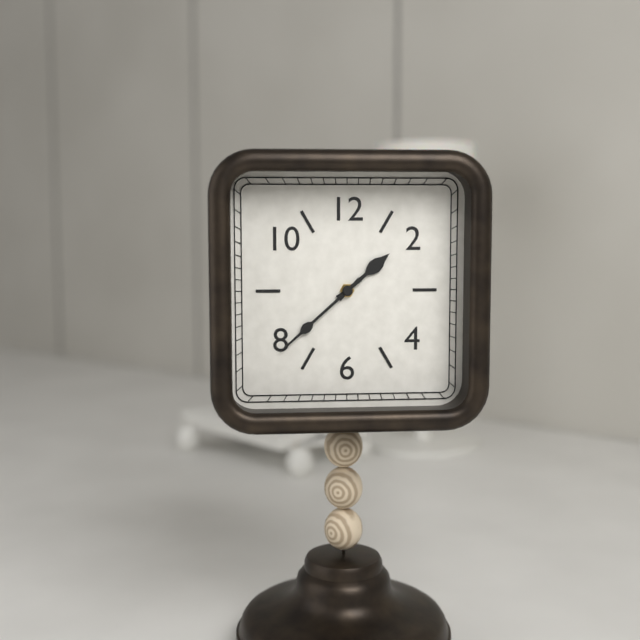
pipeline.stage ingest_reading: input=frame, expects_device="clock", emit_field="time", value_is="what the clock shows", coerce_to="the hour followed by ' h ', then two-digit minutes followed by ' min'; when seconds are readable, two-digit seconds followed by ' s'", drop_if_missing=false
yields 1 h 38 min
